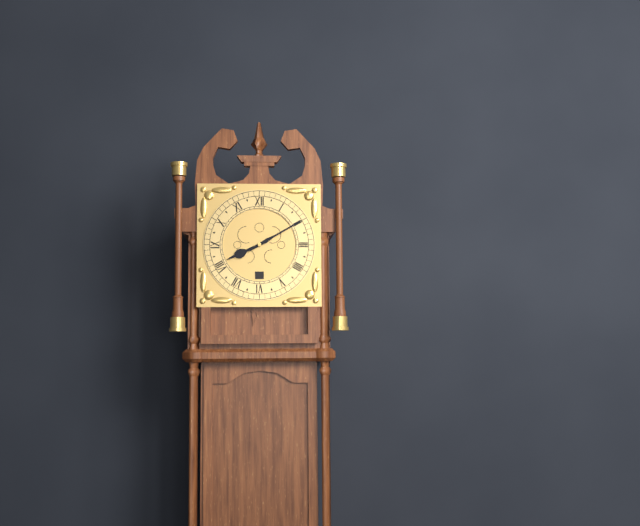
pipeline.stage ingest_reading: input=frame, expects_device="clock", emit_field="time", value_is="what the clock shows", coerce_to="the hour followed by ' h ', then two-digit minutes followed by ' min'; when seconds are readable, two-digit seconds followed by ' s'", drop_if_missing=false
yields 8 h 10 min
